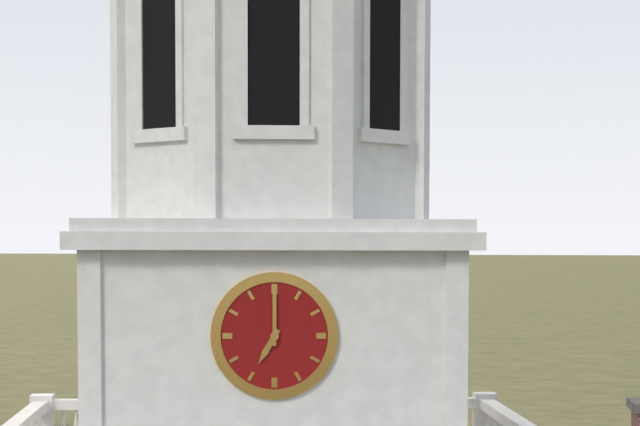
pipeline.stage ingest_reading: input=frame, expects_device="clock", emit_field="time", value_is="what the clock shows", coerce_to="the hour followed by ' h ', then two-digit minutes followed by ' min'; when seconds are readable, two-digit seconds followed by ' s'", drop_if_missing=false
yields 7 h 00 min
